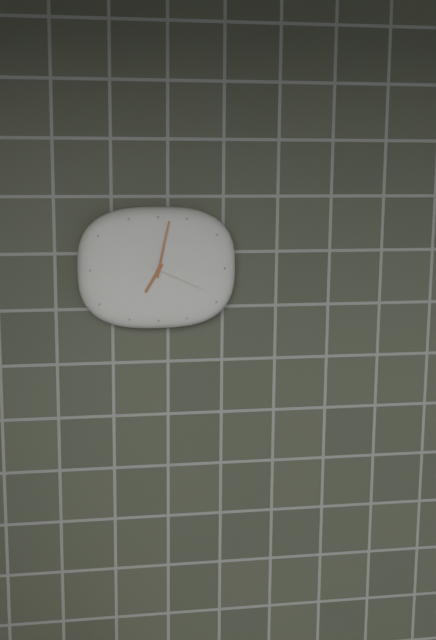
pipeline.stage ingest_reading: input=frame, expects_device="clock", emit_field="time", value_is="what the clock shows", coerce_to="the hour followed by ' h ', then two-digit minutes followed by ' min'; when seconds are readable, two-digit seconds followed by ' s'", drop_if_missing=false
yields 7 h 02 min 19 s
